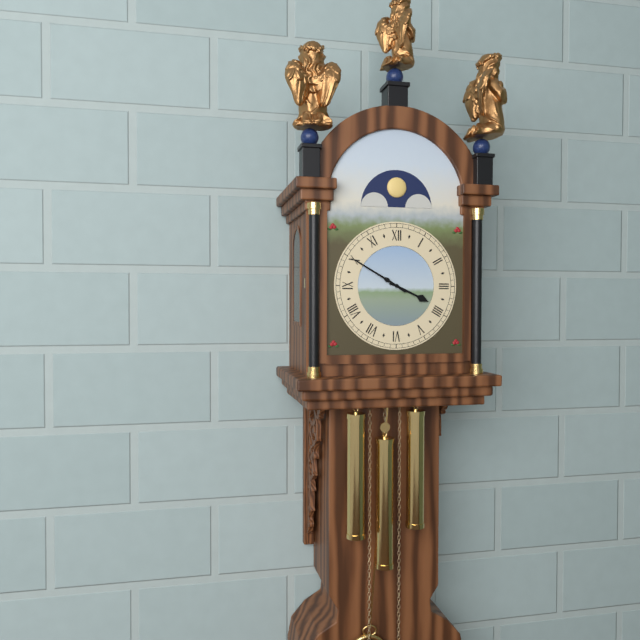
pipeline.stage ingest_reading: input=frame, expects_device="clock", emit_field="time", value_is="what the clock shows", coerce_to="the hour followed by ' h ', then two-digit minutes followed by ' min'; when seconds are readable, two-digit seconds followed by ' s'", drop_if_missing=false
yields 3 h 50 min
